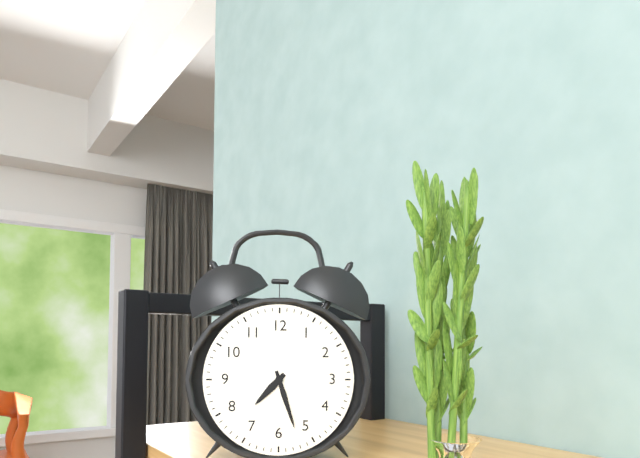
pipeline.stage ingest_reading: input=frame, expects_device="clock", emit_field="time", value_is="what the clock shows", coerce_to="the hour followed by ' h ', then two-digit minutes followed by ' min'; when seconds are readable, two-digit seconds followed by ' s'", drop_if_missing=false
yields 7 h 27 min
